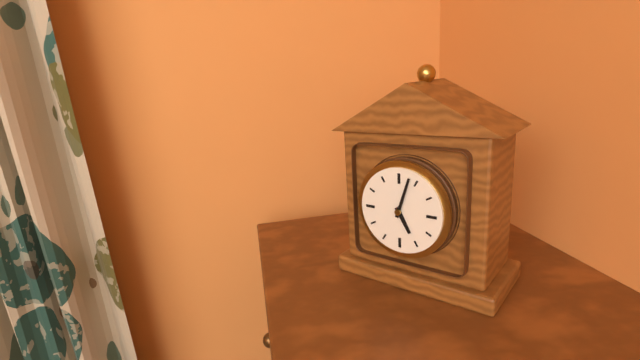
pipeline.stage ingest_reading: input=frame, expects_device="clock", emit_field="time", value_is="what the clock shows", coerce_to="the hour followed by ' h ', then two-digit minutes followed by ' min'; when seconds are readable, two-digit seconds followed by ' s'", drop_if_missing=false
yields 5 h 03 min
